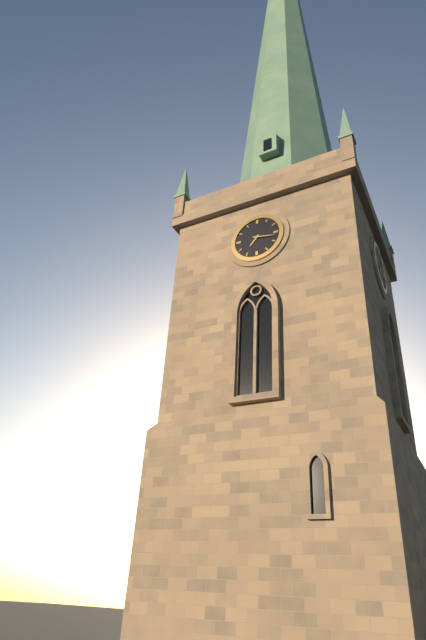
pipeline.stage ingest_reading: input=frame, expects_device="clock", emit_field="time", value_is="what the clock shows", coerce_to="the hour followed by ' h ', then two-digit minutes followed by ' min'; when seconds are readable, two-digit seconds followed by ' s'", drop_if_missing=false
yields 7 h 17 min
